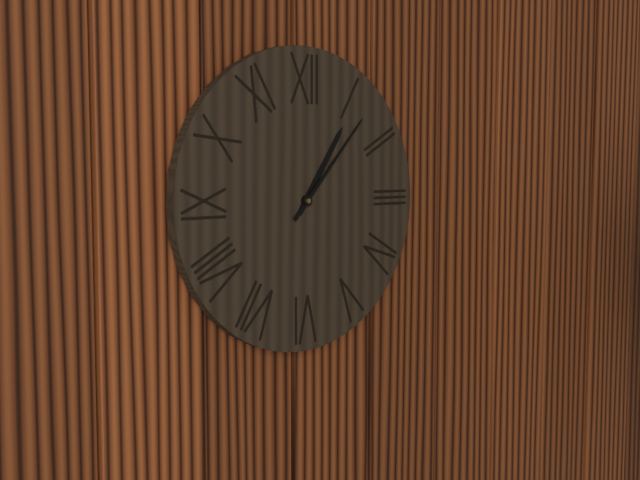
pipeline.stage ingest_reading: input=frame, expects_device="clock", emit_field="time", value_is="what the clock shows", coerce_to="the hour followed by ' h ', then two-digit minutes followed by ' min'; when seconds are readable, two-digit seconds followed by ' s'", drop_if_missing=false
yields 1 h 07 min
